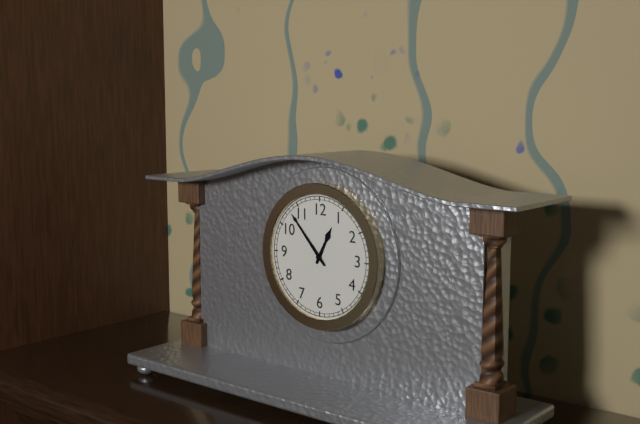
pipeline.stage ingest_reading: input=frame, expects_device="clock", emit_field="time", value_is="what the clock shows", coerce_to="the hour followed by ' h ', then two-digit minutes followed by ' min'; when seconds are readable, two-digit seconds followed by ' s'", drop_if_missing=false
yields 12 h 53 min
